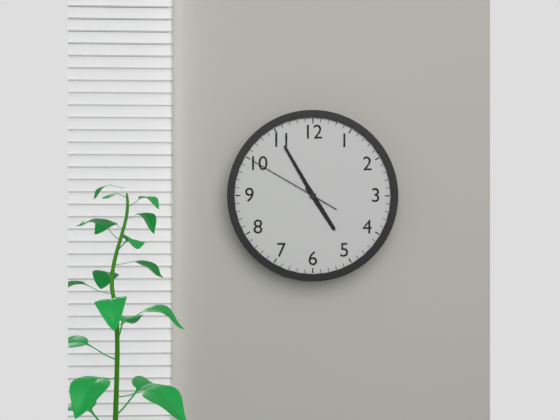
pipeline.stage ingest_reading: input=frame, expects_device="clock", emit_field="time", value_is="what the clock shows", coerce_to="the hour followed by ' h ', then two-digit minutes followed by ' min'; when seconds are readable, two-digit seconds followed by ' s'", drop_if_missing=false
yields 4 h 55 min 50 s
